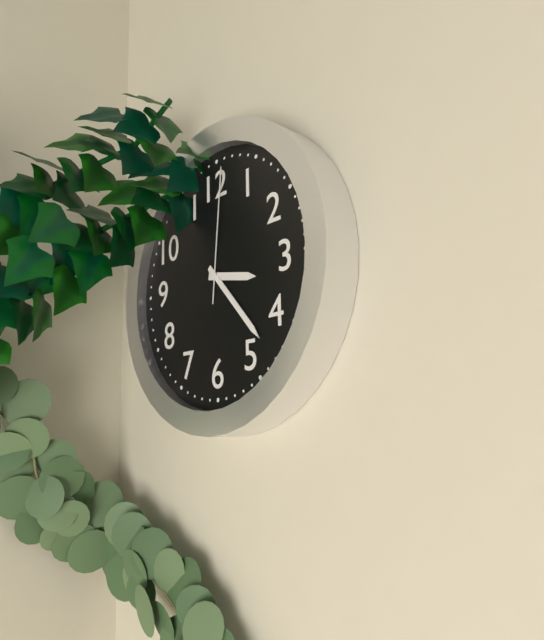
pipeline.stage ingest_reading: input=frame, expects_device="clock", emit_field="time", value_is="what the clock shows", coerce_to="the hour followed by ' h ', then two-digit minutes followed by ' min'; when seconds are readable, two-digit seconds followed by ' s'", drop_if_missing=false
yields 3 h 23 min 01 s
